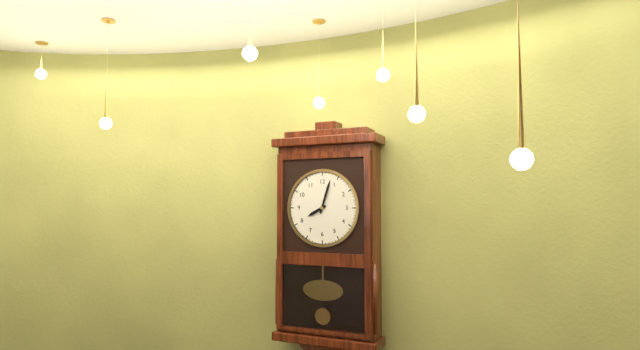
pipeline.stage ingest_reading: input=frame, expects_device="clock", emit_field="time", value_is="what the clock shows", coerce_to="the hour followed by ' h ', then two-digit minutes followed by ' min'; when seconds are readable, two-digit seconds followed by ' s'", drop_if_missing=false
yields 8 h 03 min
